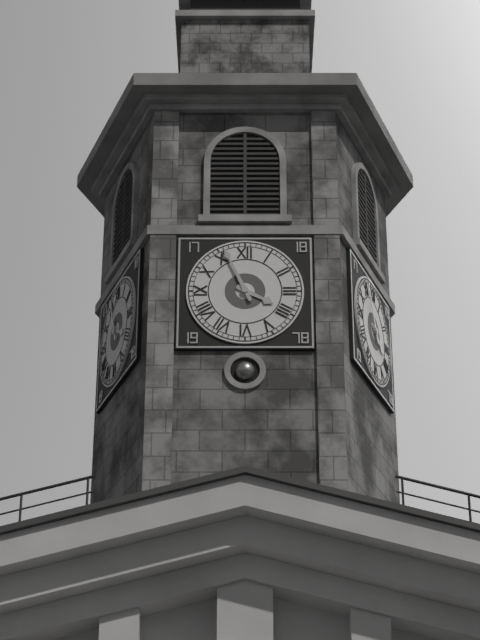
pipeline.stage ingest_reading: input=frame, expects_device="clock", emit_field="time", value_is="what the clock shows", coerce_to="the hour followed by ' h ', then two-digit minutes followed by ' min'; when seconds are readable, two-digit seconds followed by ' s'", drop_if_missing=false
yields 3 h 56 min
